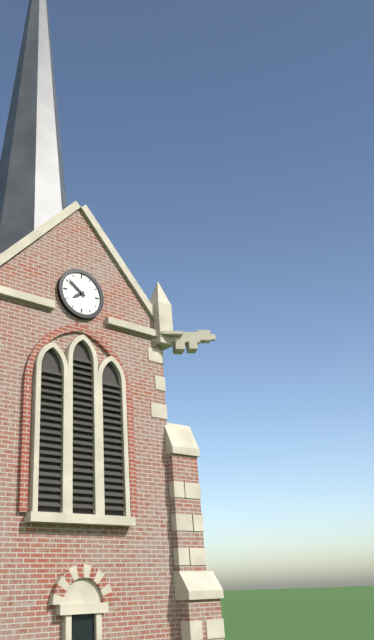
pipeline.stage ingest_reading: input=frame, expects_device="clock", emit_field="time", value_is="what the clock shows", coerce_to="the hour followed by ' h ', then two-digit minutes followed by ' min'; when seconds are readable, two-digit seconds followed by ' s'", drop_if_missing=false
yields 7 h 51 min
